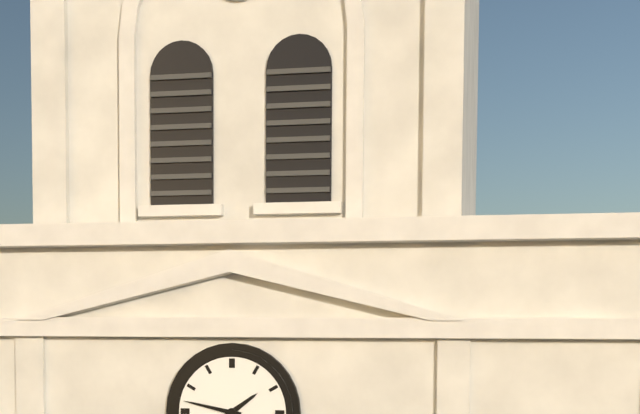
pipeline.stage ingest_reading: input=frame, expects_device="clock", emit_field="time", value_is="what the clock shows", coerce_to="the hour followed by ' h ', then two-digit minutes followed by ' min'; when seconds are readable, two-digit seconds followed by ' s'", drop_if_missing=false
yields 1 h 47 min
